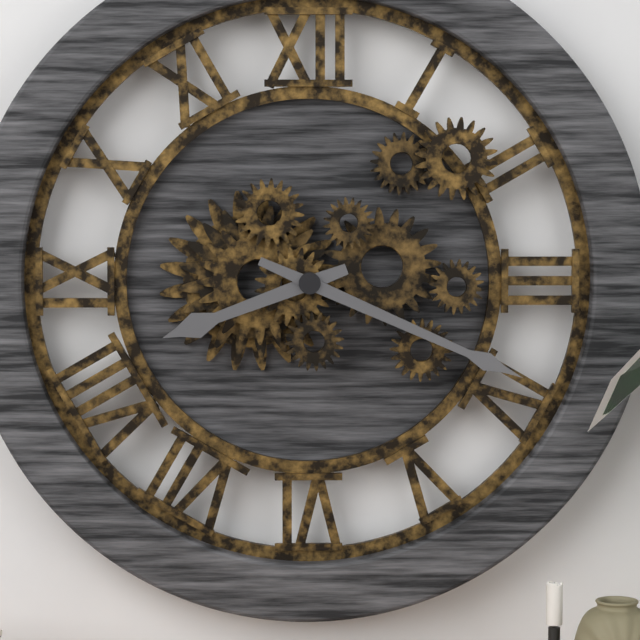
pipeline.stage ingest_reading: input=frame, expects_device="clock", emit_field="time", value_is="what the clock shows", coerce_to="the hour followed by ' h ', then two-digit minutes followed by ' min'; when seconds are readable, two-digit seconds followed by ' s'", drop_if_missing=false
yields 8 h 19 min
